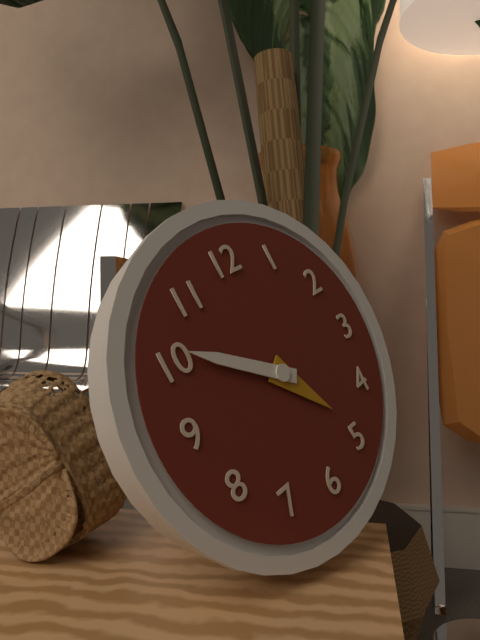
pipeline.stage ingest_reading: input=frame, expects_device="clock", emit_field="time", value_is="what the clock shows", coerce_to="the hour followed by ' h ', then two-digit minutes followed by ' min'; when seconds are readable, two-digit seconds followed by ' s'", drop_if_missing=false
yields 4 h 51 min
